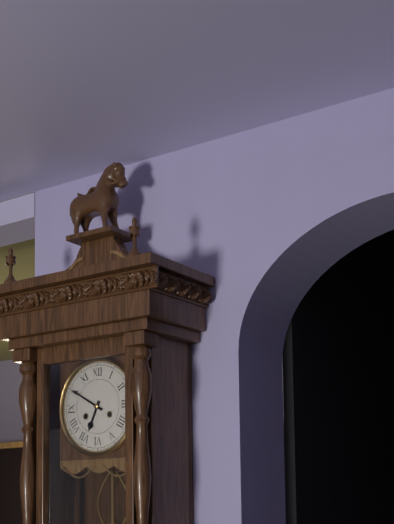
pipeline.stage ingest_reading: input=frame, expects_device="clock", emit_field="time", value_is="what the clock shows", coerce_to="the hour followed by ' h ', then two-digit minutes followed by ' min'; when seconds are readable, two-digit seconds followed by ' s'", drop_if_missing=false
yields 6 h 50 min
